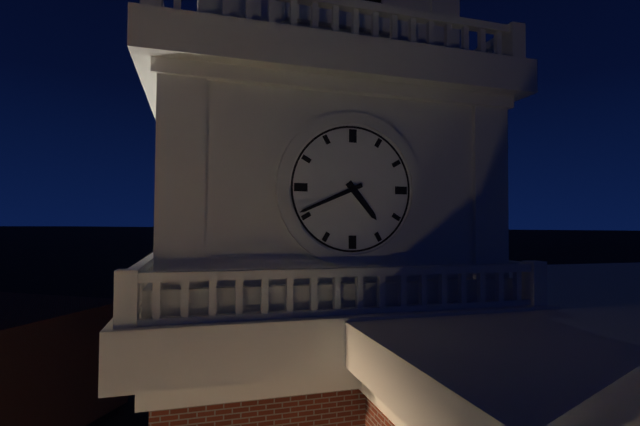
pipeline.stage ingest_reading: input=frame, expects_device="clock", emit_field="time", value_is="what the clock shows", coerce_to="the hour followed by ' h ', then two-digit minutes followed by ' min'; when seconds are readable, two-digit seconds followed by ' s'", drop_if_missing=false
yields 4 h 41 min
